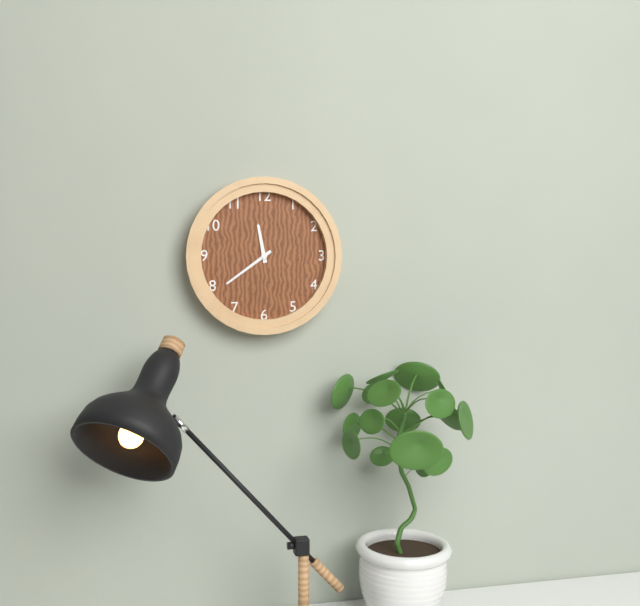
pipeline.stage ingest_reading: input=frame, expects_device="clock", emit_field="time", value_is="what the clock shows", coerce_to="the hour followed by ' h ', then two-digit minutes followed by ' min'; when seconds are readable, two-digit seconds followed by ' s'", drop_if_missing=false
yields 11 h 39 min
